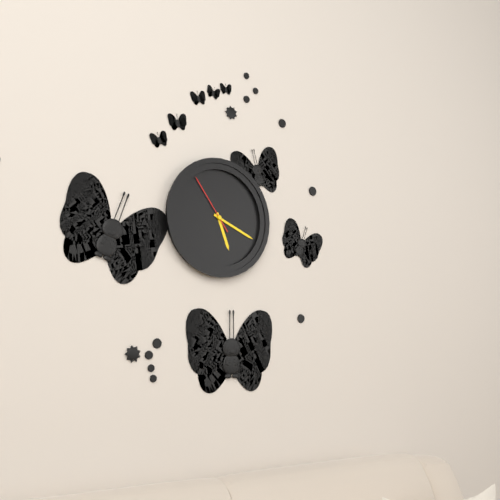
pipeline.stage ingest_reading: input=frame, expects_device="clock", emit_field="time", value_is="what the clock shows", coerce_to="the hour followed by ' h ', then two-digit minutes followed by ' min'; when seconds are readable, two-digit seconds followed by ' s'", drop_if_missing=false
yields 5 h 19 min 54 s
